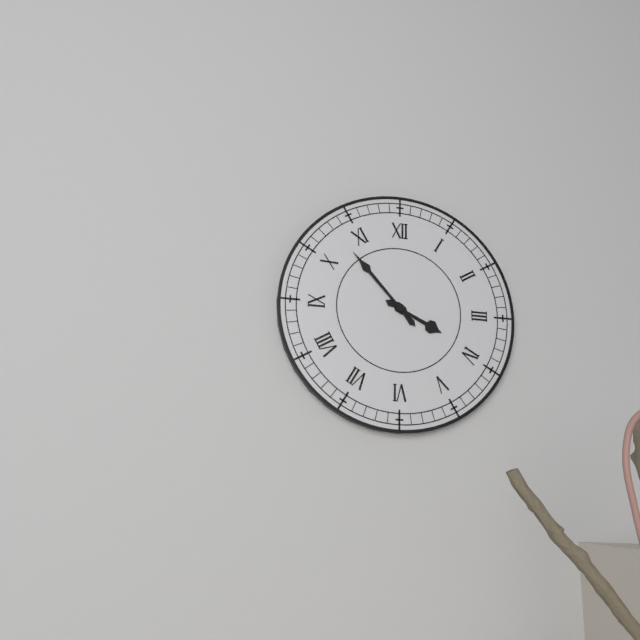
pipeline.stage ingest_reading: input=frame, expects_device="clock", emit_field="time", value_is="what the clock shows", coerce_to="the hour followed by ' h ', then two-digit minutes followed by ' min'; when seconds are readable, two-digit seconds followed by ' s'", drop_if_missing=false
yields 3 h 53 min
